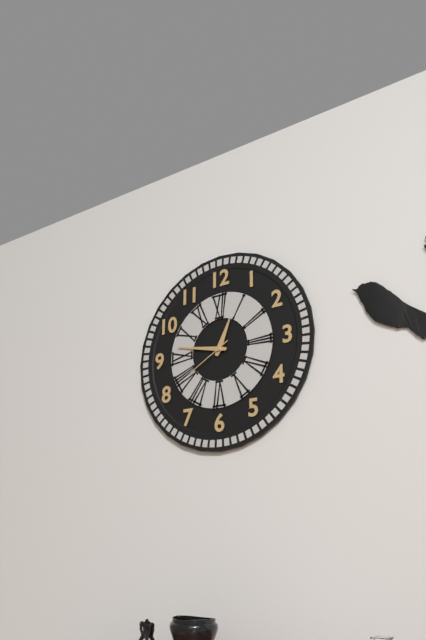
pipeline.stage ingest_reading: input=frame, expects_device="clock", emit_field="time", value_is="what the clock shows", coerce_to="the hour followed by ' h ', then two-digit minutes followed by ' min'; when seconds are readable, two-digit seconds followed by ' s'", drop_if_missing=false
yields 12 h 47 min
